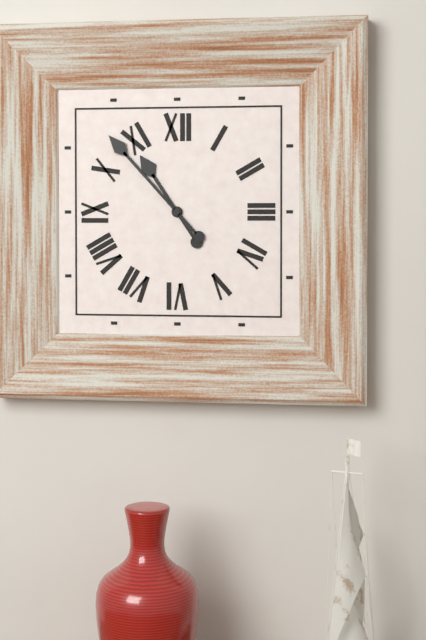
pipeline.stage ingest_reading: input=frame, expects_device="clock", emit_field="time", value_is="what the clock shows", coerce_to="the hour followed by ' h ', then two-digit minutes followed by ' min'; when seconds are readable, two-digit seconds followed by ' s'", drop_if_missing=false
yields 10 h 53 min
